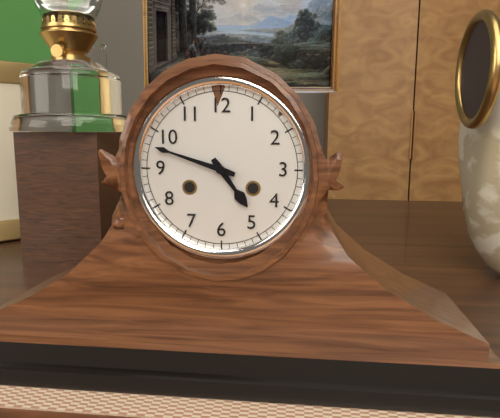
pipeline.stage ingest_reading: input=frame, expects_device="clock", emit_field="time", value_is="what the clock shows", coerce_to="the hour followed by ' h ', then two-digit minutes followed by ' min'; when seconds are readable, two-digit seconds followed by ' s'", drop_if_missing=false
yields 4 h 48 min
